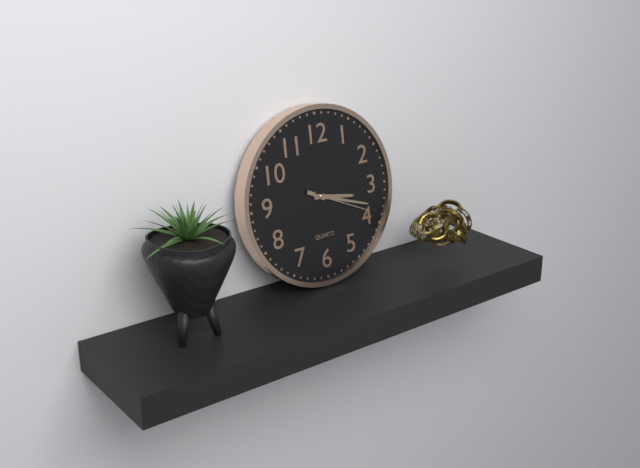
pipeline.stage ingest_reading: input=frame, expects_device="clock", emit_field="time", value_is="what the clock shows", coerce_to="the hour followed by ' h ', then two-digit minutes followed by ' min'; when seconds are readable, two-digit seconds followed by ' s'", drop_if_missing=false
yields 3 h 18 min 19 s
